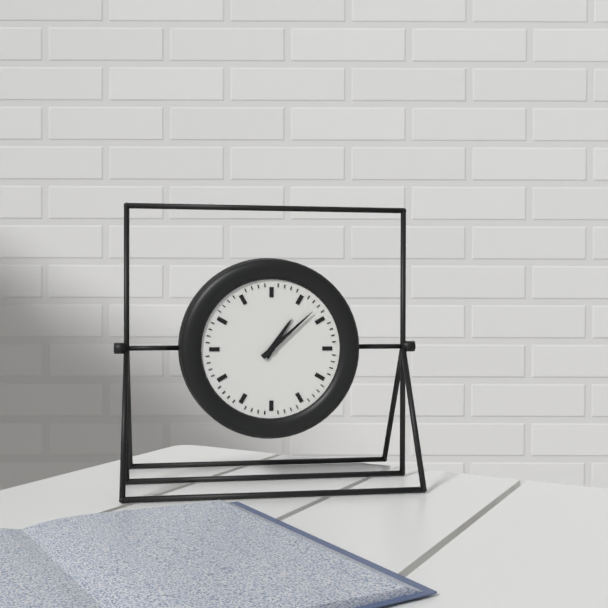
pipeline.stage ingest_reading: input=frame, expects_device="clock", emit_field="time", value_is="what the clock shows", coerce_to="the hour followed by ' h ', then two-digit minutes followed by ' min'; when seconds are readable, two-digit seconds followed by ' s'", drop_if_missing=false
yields 1 h 08 min
